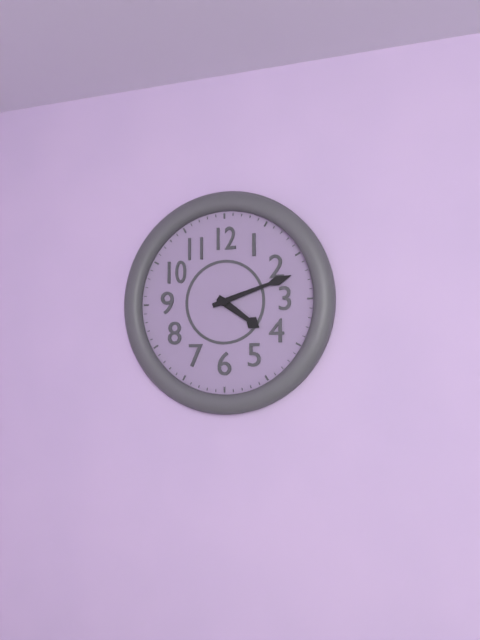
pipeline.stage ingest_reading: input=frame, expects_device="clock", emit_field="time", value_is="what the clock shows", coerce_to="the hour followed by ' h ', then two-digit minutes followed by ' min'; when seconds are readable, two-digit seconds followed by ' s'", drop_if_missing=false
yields 4 h 12 min
